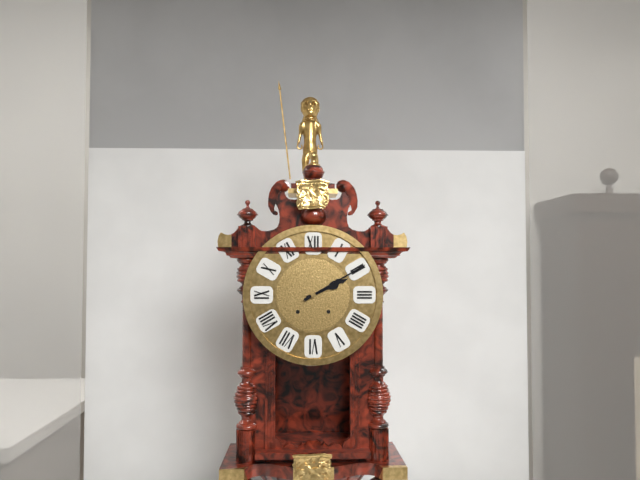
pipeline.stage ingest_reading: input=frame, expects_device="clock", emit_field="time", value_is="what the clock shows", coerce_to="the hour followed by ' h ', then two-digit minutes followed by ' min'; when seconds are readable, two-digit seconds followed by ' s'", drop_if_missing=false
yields 2 h 10 min
